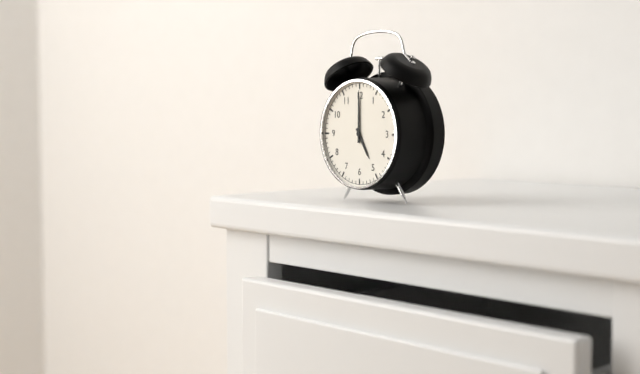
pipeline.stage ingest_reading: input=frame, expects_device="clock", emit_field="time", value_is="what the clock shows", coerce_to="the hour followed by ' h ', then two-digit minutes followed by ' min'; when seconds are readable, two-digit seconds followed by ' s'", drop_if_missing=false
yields 5 h 00 min
